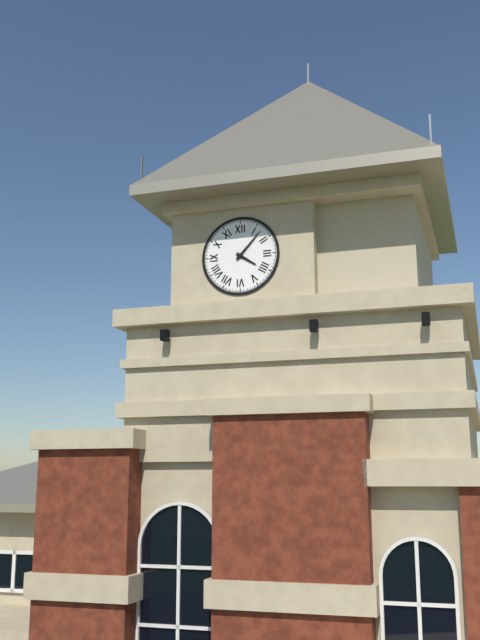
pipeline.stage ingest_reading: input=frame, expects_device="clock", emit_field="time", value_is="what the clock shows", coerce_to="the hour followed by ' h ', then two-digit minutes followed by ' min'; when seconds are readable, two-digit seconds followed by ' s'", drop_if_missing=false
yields 4 h 07 min
